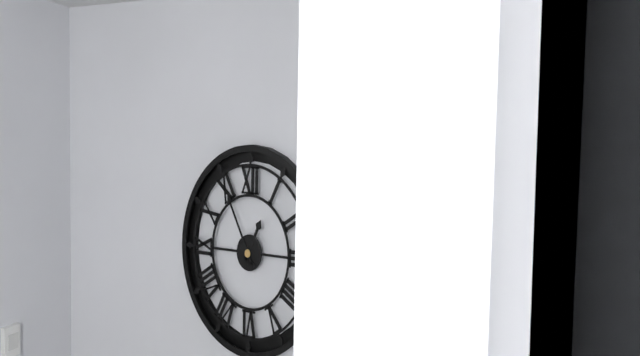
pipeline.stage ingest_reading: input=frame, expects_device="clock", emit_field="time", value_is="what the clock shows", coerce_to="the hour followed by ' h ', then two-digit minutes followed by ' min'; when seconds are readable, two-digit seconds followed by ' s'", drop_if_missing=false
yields 12 h 55 min
